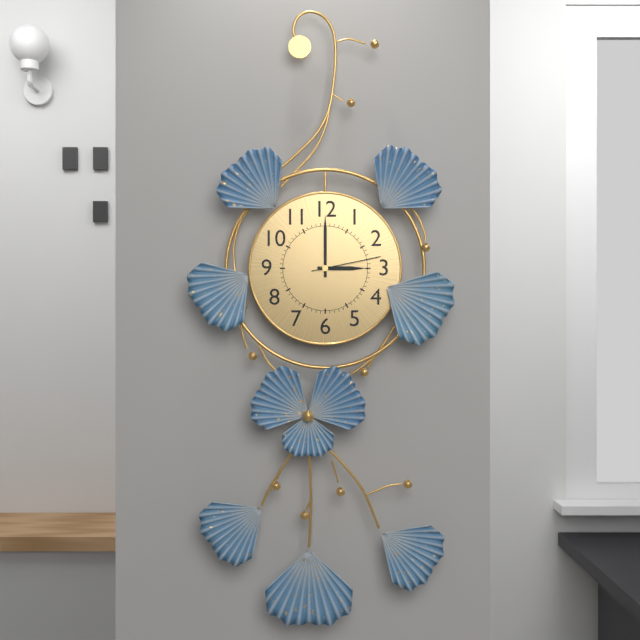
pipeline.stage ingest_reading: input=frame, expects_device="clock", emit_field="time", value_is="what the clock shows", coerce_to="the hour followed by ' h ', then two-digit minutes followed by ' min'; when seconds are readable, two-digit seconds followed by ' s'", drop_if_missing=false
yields 3 h 00 min 13 s
